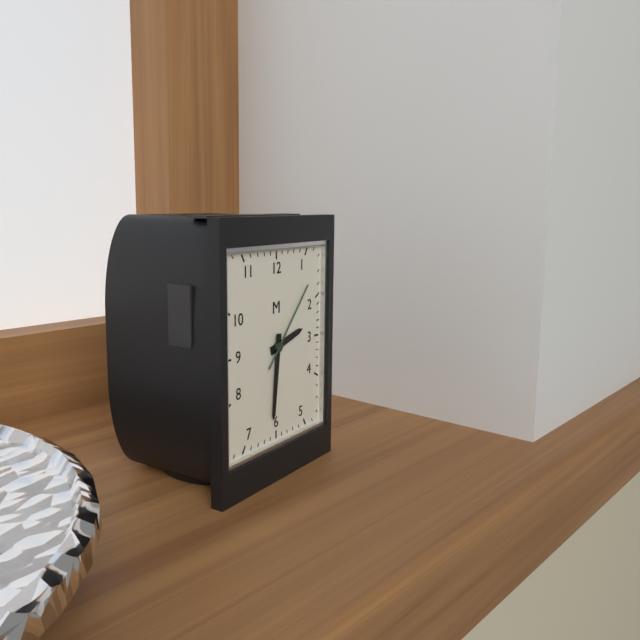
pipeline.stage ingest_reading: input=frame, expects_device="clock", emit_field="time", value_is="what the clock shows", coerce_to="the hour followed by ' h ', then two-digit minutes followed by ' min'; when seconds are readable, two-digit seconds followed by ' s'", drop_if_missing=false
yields 2 h 31 min 07 s
